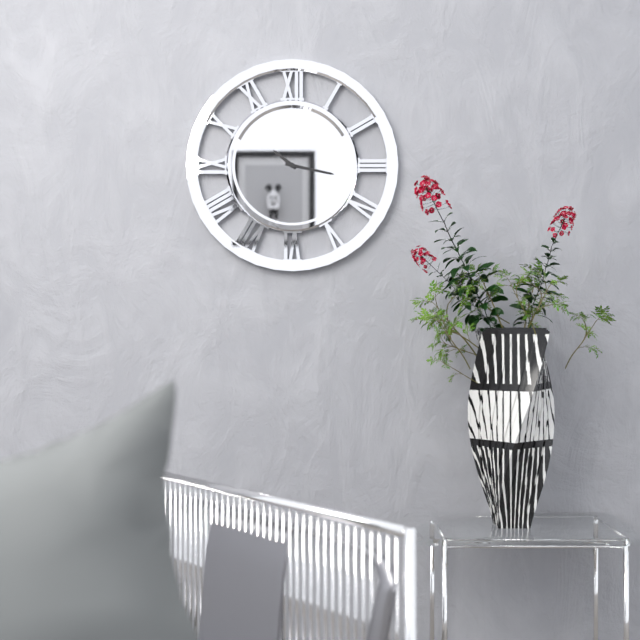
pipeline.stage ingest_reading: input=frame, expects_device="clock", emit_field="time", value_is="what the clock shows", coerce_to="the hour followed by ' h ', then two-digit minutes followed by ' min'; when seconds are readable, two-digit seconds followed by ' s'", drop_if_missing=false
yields 10 h 17 min
